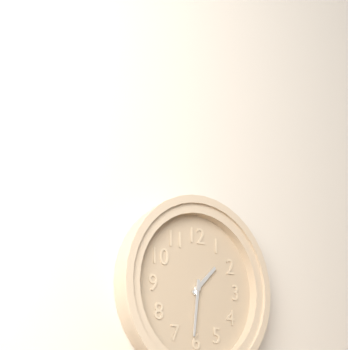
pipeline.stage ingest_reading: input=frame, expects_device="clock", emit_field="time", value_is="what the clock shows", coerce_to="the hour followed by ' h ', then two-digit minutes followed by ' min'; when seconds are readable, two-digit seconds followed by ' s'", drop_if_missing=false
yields 1 h 31 min
